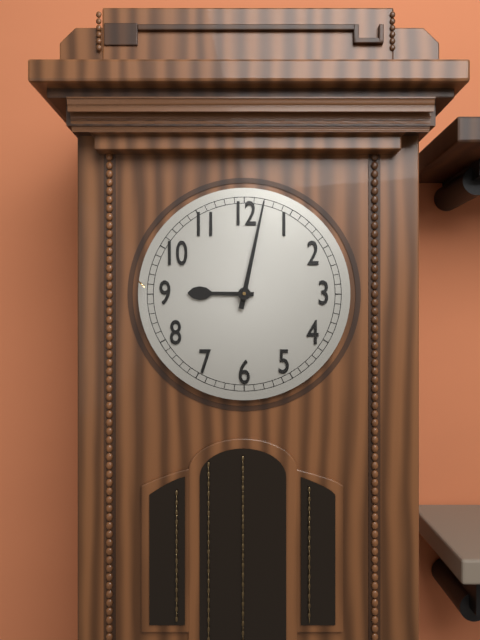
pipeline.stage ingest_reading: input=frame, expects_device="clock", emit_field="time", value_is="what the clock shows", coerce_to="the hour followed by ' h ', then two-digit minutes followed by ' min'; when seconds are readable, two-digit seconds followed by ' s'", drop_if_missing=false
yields 9 h 02 min
